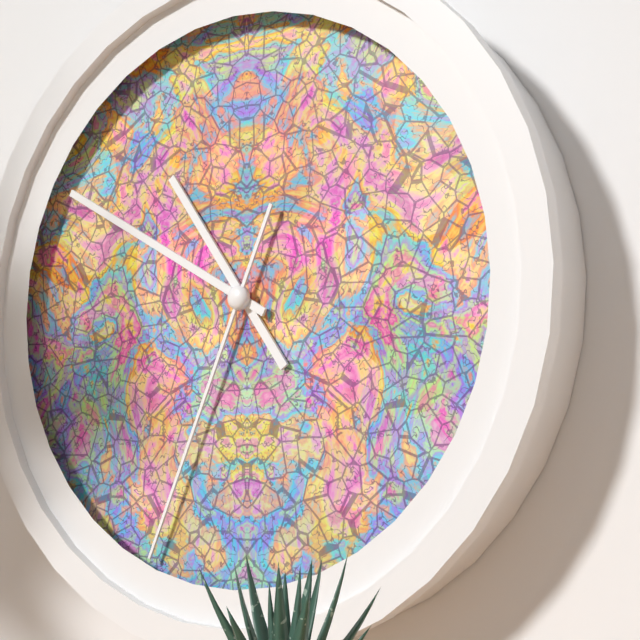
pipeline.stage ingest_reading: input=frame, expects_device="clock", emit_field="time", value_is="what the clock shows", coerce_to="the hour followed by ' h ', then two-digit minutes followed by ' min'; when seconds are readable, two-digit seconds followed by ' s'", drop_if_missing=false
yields 10 h 50 min 34 s
